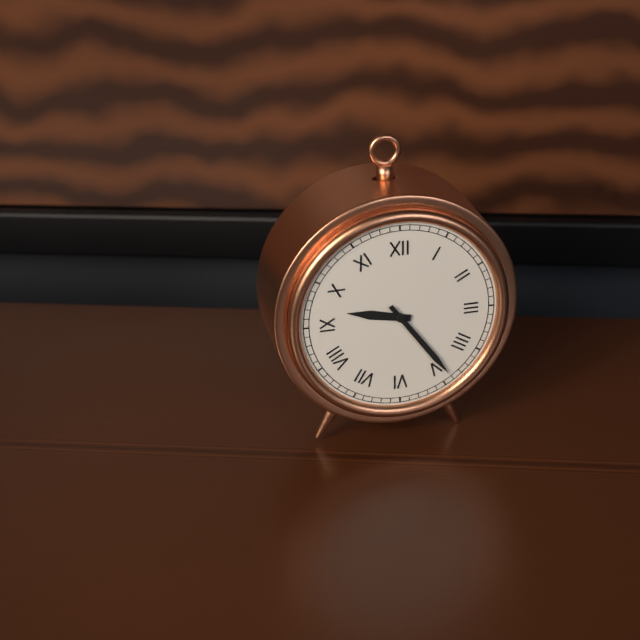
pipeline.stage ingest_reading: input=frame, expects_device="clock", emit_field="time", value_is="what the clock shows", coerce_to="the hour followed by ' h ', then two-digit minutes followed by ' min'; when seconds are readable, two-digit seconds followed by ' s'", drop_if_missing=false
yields 9 h 24 min
